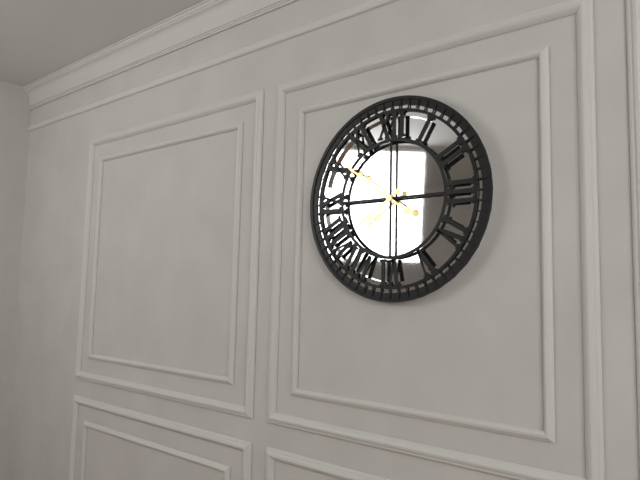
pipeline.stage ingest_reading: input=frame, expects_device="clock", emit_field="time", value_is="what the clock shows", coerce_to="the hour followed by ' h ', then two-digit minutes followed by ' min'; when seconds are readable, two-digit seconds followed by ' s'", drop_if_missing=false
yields 7 h 51 min
